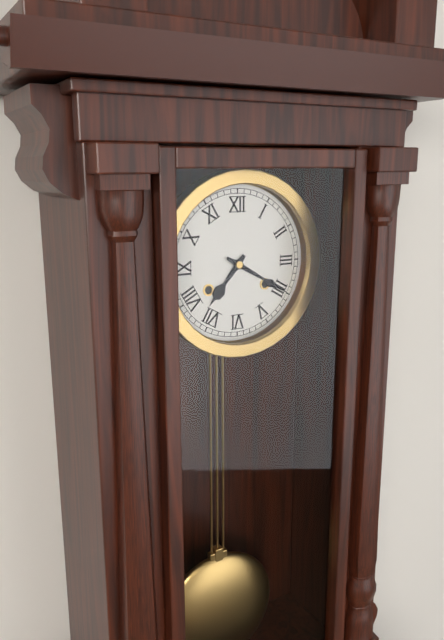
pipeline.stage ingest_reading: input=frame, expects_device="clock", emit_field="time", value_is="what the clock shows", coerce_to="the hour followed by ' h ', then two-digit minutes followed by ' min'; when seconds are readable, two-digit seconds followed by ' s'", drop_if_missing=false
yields 7 h 20 min
